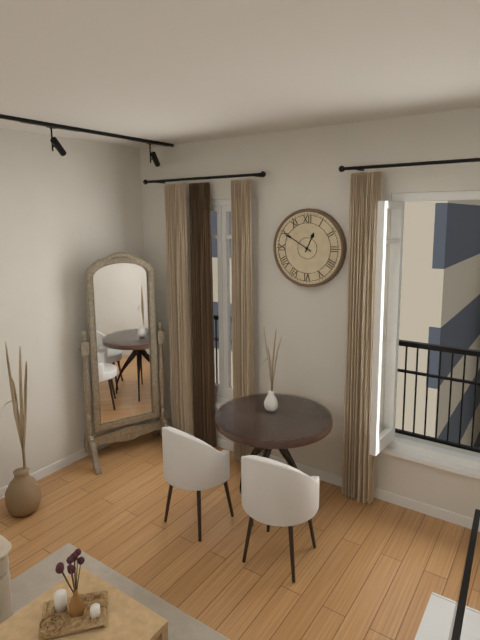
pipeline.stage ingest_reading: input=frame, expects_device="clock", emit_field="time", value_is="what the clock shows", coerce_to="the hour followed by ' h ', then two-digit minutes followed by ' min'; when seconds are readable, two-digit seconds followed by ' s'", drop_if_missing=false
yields 12 h 50 min
